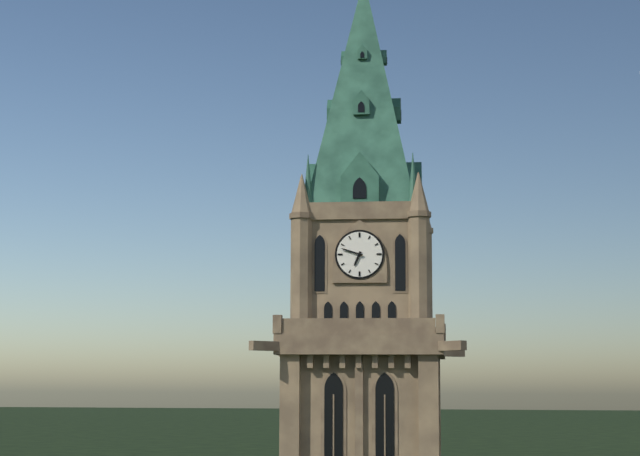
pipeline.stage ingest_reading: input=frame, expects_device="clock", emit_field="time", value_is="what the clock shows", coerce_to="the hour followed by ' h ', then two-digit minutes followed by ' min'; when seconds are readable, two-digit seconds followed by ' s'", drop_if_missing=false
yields 6 h 48 min
